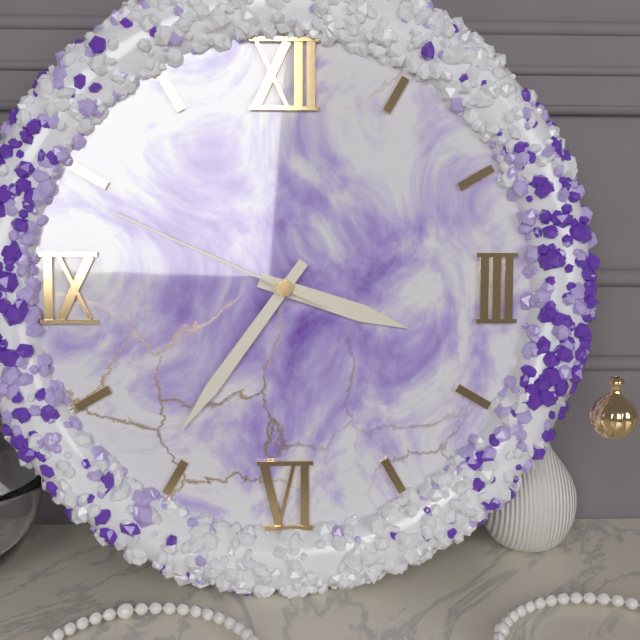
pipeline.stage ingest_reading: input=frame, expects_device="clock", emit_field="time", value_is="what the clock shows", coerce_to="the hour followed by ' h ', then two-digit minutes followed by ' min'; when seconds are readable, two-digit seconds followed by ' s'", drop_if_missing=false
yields 3 h 36 min 49 s
